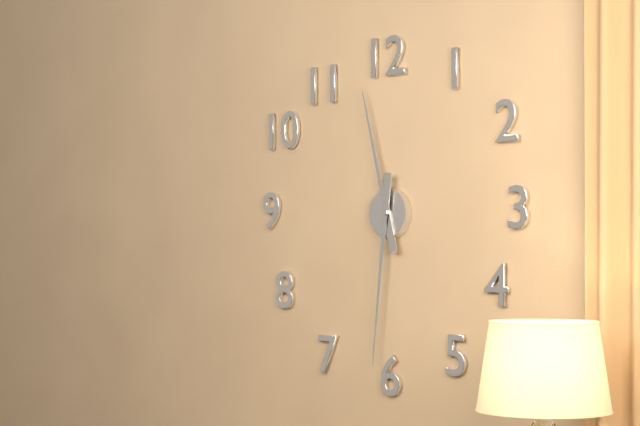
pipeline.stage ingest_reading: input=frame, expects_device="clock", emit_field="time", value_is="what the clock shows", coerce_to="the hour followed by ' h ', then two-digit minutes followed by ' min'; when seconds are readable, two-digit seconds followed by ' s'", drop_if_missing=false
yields 11 h 31 min
